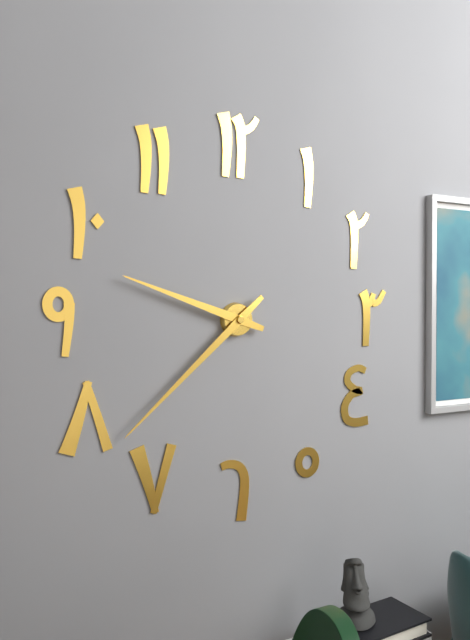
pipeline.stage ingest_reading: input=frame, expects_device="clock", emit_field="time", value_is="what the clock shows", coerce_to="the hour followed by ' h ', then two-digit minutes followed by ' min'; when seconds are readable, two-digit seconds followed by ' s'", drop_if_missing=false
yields 9 h 38 min
